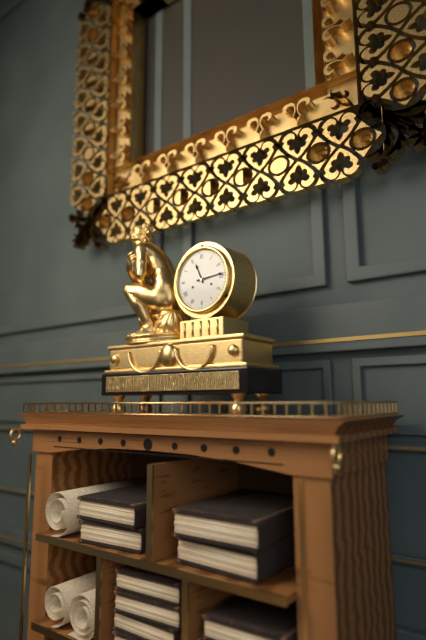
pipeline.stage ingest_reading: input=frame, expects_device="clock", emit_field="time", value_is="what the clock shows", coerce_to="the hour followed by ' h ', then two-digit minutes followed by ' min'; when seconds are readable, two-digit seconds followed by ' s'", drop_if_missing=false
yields 11 h 14 min
